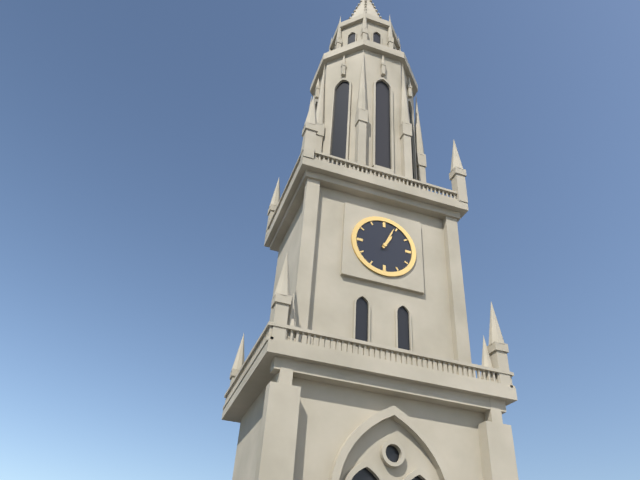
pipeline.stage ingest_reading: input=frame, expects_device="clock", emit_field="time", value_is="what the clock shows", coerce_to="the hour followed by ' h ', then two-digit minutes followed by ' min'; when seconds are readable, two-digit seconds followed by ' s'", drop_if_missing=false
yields 1 h 04 min
